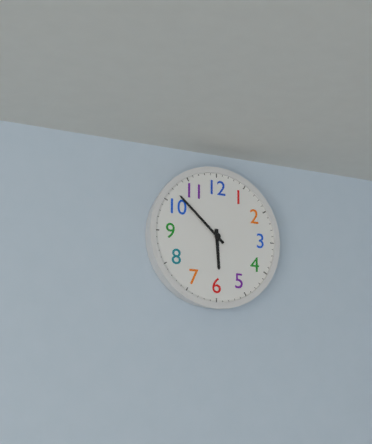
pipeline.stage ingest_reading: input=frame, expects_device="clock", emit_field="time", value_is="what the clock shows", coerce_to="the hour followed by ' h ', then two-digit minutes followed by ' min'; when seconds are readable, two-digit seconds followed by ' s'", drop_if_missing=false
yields 5 h 52 min
